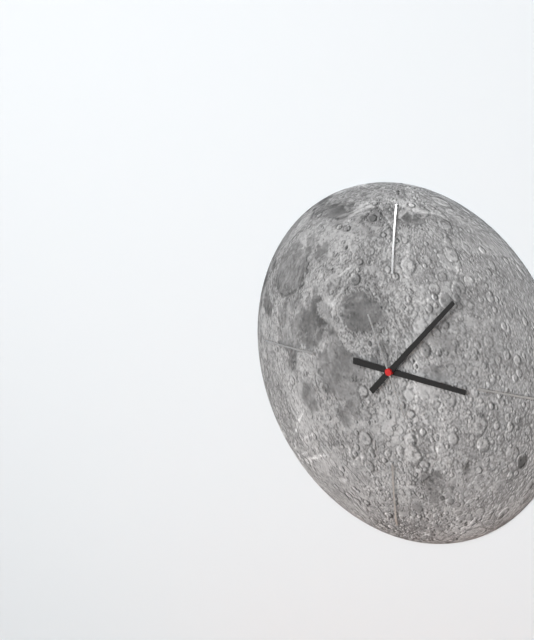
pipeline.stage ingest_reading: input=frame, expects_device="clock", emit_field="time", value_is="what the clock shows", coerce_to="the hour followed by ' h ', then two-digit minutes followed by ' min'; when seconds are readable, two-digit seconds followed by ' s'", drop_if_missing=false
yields 3 h 07 min 56 s
